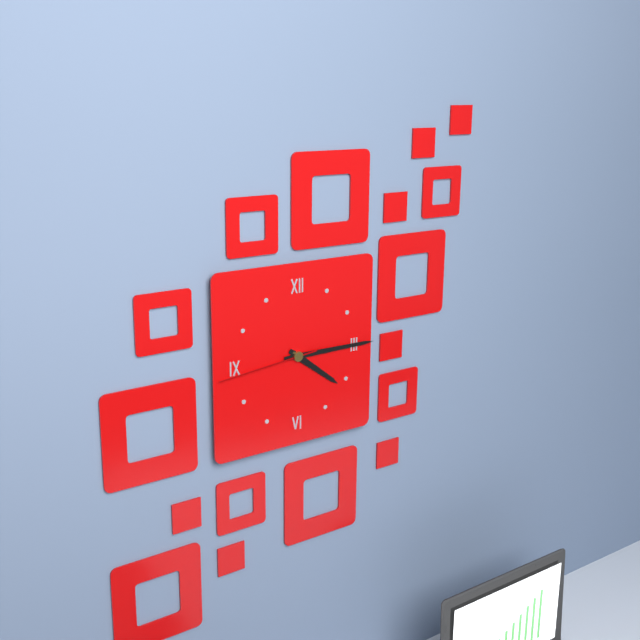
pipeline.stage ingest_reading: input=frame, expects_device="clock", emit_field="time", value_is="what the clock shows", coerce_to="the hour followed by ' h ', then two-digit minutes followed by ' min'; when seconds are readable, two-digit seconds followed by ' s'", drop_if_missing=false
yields 4 h 15 min 44 s
